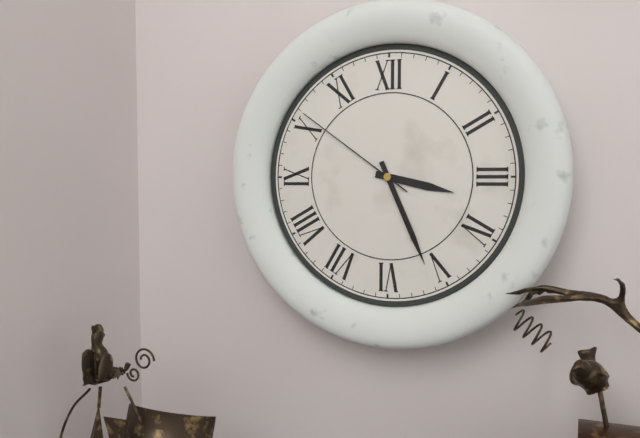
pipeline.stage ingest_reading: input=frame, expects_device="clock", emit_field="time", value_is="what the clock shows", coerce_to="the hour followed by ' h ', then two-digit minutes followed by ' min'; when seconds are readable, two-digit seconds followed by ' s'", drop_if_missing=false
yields 3 h 26 min 51 s
